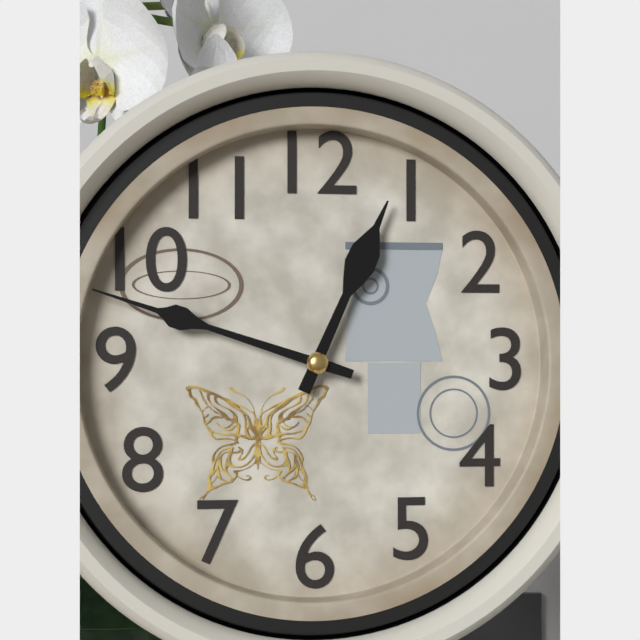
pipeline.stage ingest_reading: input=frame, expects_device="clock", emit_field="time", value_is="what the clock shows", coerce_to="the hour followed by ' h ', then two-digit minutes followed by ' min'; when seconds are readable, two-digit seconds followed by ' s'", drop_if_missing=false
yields 12 h 48 min
